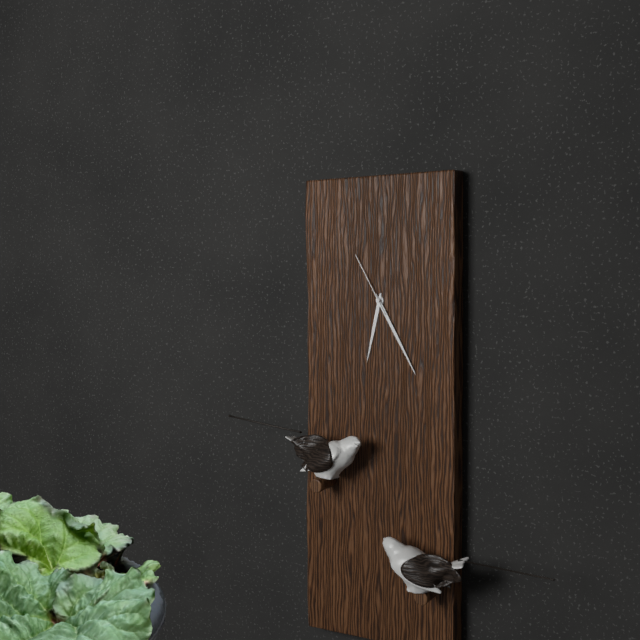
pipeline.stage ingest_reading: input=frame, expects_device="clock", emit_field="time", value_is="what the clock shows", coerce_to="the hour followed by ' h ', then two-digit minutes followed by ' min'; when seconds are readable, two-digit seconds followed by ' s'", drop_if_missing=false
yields 6 h 25 min 55 s
